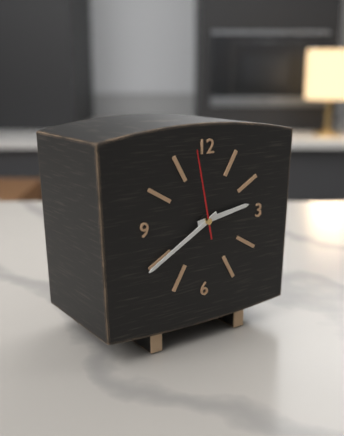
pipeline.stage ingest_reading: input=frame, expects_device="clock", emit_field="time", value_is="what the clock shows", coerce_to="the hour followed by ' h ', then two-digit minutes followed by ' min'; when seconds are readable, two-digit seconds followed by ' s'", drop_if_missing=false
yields 2 h 40 min 58 s
